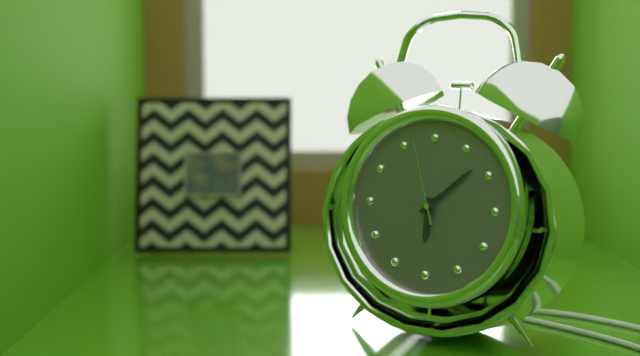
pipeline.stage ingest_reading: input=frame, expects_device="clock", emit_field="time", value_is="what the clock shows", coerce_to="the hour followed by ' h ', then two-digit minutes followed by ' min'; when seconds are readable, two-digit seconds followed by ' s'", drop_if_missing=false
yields 6 h 08 min 57 s
